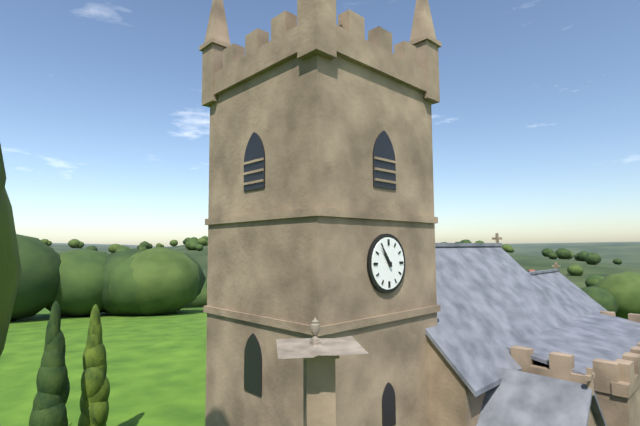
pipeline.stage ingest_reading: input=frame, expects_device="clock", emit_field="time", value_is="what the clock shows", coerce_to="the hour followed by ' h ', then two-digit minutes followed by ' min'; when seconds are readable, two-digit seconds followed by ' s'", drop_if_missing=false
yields 10 h 54 min
